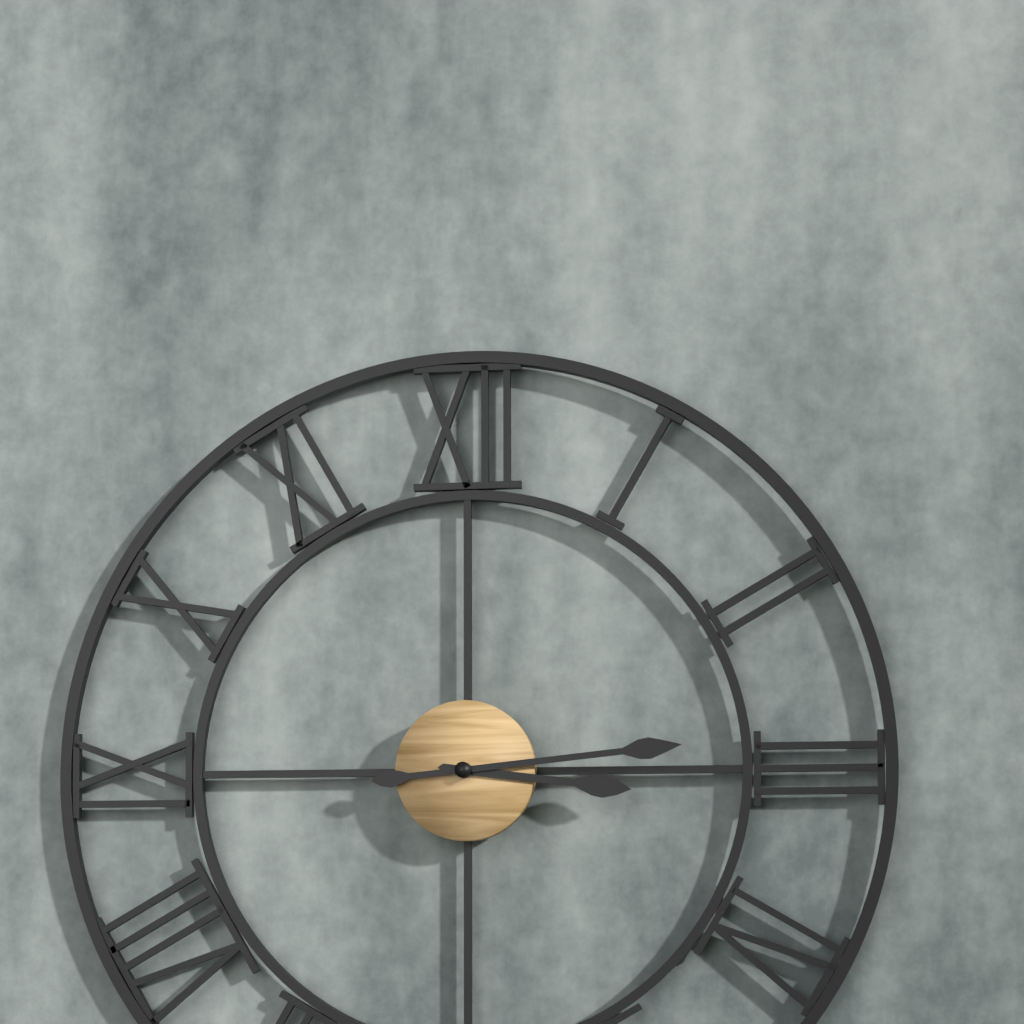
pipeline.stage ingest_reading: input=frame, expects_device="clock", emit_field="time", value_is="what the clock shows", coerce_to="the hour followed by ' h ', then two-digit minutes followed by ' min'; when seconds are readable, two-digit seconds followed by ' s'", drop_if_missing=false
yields 3 h 14 min
